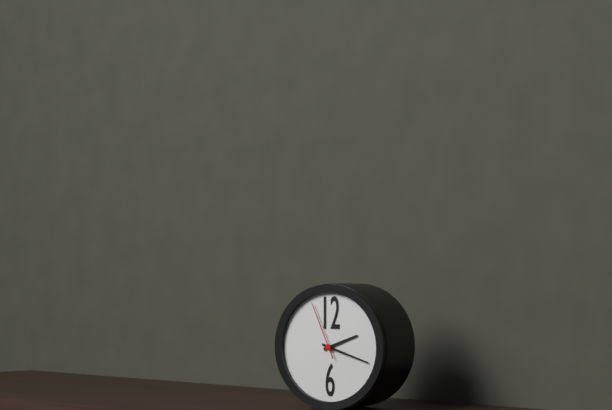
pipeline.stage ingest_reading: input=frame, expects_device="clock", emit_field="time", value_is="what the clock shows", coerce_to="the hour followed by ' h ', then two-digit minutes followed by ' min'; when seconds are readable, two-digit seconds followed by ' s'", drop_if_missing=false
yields 2 h 18 min 56 s
